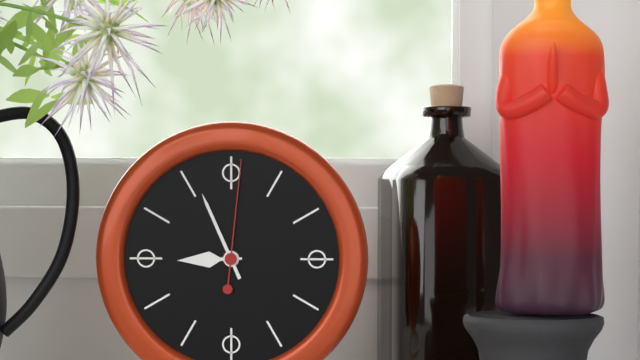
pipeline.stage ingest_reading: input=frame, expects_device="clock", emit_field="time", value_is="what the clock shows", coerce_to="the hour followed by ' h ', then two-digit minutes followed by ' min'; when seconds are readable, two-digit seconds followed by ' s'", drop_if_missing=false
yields 8 h 56 min 01 s
